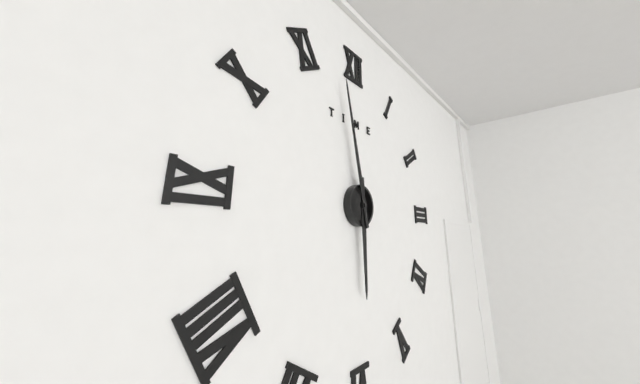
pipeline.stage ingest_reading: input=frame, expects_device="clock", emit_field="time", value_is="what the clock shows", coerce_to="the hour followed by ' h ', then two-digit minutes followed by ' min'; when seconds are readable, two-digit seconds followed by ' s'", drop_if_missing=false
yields 5 h 58 min
